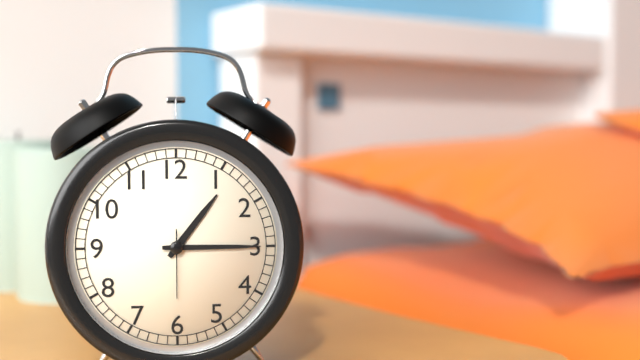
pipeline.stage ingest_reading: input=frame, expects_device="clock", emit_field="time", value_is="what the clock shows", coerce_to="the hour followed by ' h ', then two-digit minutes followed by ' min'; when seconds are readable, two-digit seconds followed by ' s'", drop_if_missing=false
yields 1 h 15 min 30 s
